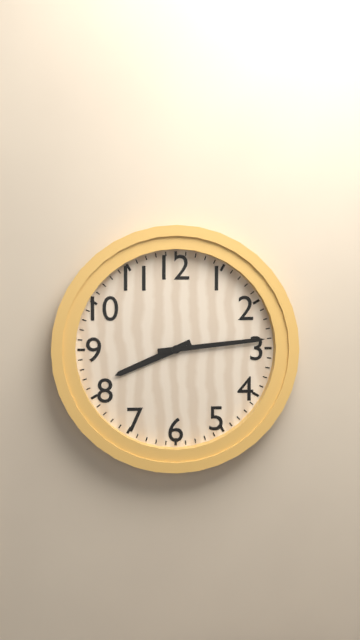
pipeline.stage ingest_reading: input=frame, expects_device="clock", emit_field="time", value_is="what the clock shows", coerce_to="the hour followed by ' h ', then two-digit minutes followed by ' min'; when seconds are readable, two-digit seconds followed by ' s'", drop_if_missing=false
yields 8 h 14 min
